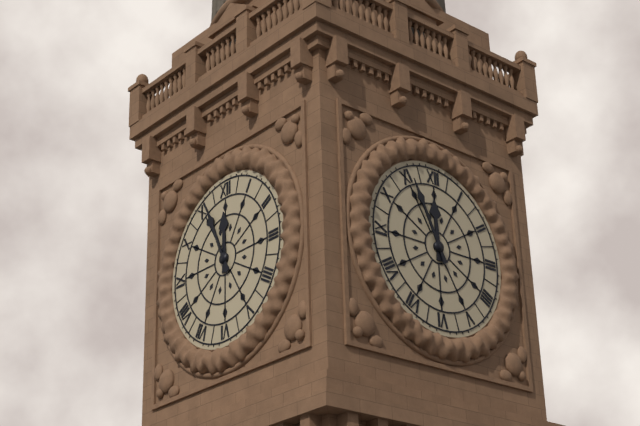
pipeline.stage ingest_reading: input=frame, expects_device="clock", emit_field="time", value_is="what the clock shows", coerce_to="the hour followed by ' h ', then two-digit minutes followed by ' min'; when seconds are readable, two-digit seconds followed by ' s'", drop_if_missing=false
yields 11 h 56 min
